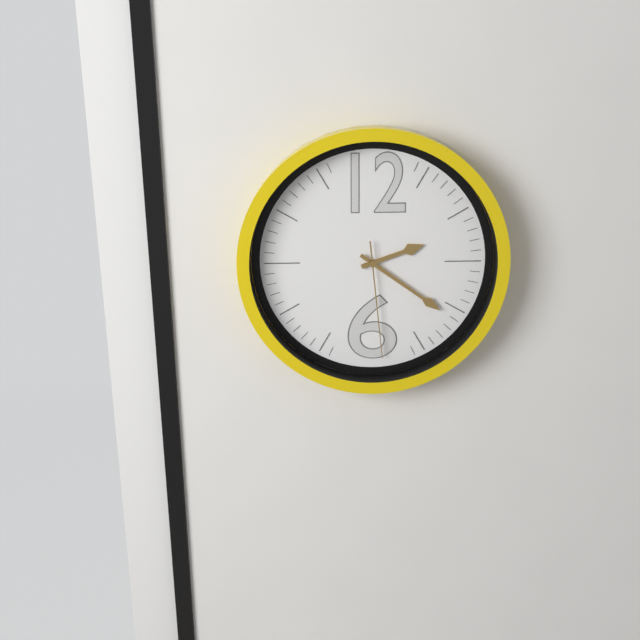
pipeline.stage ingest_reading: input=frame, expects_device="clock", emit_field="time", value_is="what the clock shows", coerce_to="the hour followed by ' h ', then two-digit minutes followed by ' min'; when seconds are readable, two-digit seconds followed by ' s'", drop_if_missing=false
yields 2 h 21 min 29 s
